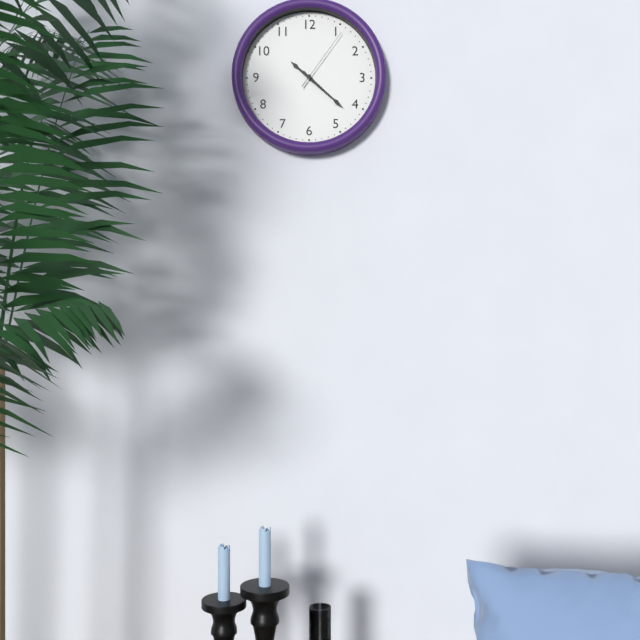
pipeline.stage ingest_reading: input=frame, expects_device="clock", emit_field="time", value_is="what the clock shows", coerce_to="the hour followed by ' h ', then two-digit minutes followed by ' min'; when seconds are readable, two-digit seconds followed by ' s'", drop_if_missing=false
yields 10 h 22 min 06 s
